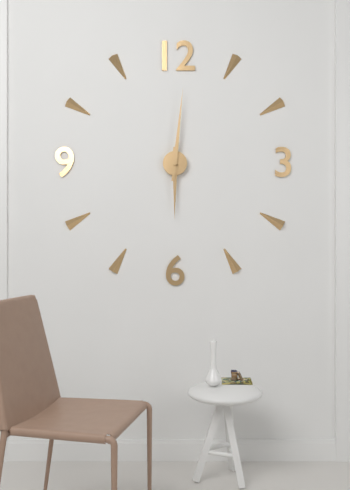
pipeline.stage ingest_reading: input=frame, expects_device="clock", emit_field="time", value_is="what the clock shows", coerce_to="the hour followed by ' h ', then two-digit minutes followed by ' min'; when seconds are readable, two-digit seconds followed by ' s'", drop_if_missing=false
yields 6 h 01 min
